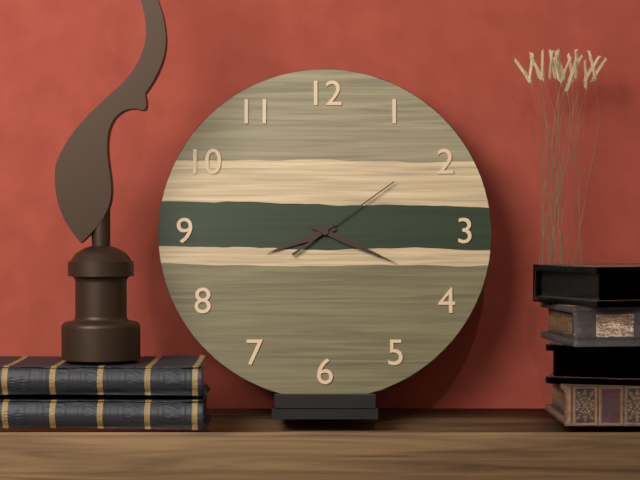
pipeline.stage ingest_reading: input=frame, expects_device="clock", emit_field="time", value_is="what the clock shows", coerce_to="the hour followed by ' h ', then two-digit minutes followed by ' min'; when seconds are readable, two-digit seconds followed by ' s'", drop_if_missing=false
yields 8 h 19 min 09 s
